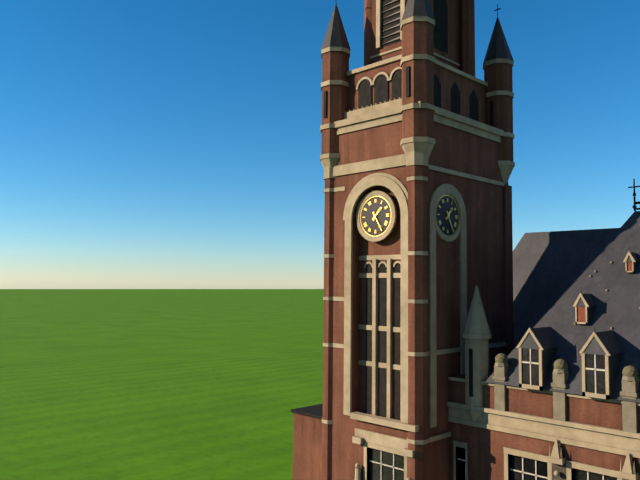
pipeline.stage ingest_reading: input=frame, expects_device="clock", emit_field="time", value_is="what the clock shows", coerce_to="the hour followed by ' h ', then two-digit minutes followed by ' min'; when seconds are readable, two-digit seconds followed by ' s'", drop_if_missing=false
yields 1 h 25 min
